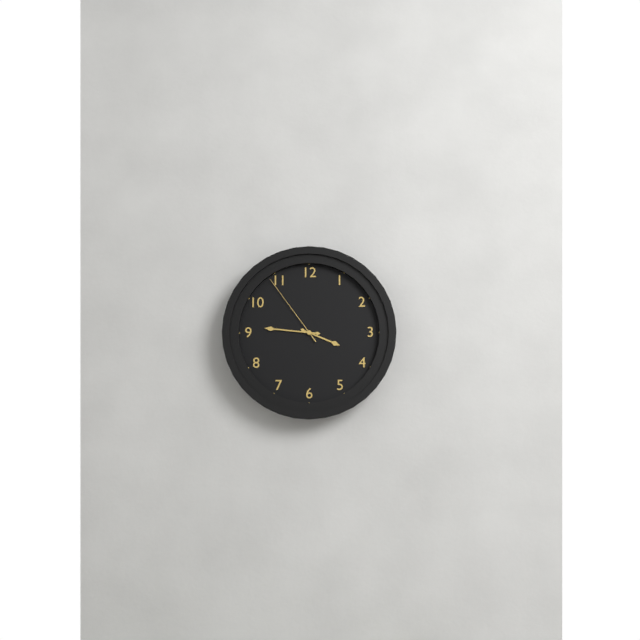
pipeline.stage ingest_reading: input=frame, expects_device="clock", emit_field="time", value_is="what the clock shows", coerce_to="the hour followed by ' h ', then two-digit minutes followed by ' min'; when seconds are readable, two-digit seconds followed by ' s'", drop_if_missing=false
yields 3 h 46 min 54 s
